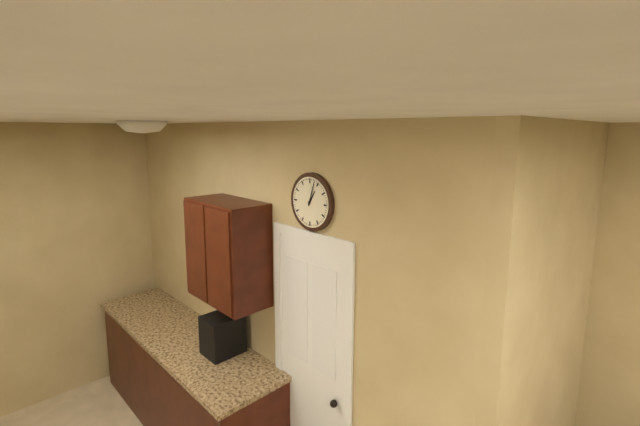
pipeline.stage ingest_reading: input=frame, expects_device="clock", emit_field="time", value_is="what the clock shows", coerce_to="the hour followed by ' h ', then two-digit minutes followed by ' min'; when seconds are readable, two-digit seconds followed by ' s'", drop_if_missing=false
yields 1 h 03 min
